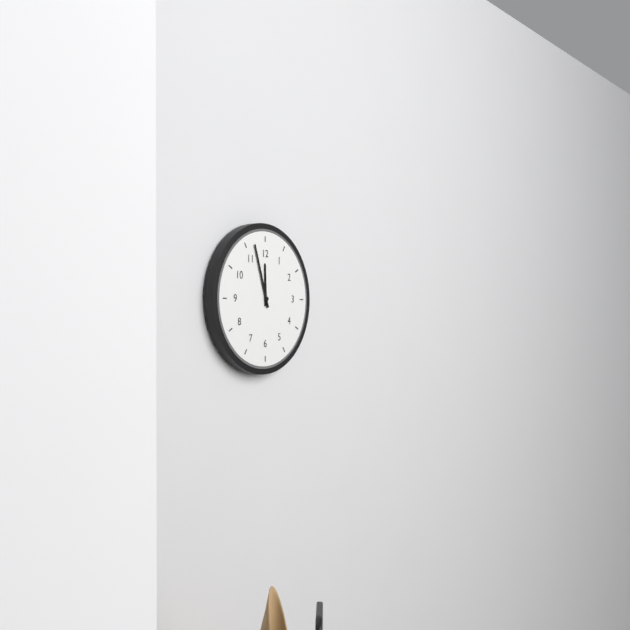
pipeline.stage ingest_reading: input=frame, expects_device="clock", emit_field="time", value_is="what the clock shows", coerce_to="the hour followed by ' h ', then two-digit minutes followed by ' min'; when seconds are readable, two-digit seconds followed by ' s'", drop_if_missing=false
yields 11 h 57 min
